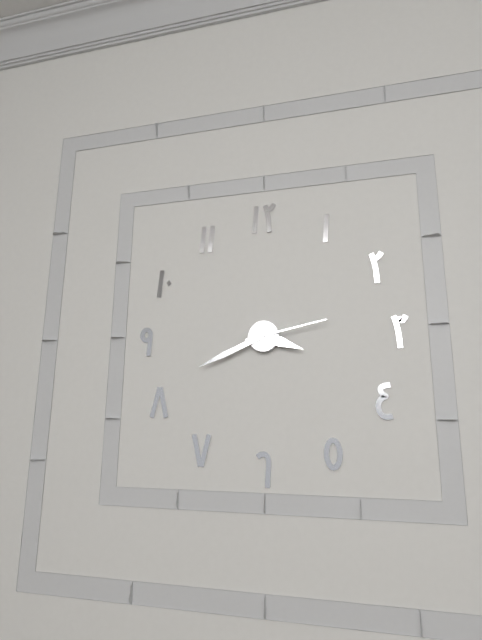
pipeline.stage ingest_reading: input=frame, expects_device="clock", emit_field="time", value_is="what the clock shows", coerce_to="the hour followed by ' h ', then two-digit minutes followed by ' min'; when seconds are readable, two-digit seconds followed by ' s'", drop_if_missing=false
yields 3 h 41 min 13 s
